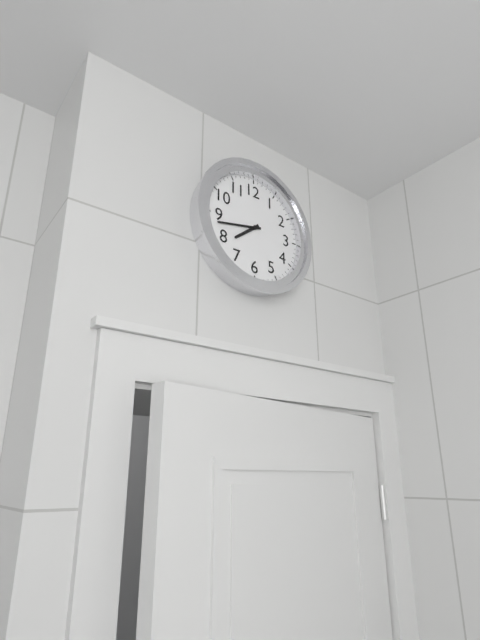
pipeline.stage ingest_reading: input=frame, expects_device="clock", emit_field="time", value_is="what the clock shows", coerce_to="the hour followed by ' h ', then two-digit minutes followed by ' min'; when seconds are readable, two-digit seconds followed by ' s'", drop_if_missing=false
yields 7 h 43 min
